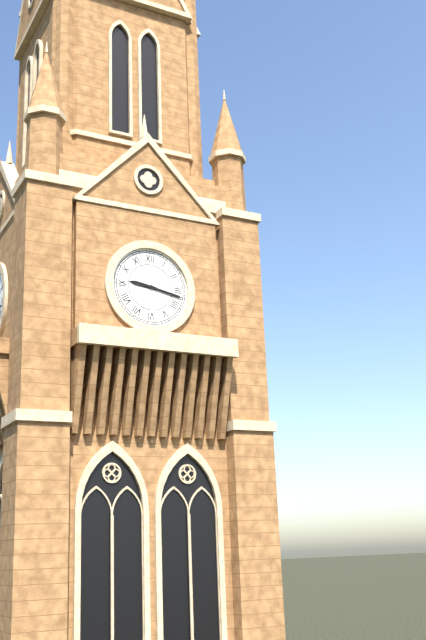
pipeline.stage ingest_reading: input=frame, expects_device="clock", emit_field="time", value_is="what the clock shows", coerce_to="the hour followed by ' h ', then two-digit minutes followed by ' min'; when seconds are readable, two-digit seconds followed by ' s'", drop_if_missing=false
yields 9 h 17 min
